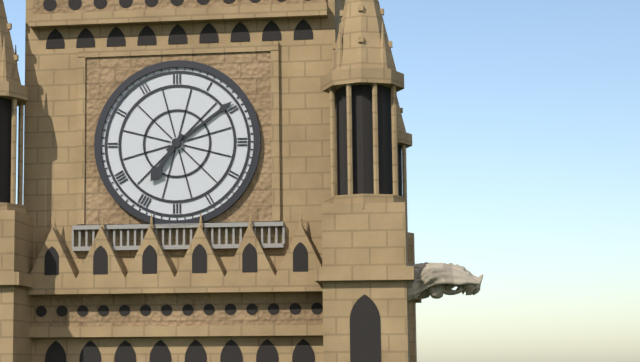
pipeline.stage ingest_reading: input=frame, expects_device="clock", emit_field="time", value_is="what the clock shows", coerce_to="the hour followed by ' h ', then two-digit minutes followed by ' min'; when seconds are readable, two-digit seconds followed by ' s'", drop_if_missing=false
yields 7 h 09 min
